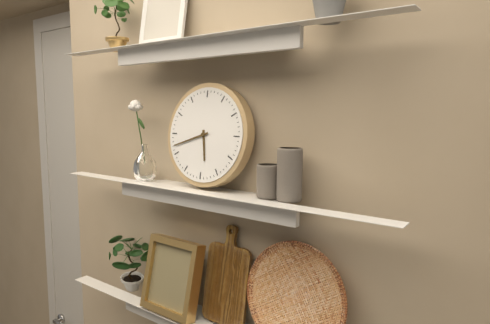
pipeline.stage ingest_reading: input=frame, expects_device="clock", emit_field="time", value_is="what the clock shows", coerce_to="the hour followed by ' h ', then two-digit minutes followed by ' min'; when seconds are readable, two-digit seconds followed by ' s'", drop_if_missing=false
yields 5 h 42 min
